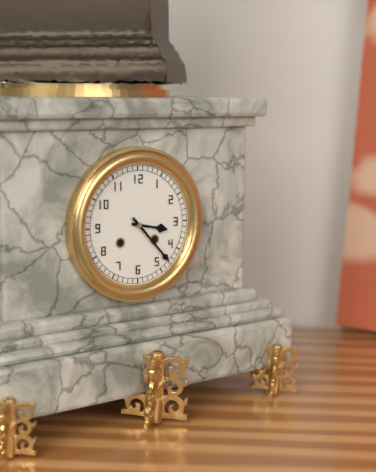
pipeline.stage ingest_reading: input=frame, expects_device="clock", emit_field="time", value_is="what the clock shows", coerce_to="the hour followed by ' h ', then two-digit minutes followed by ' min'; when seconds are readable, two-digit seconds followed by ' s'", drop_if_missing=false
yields 3 h 23 min
